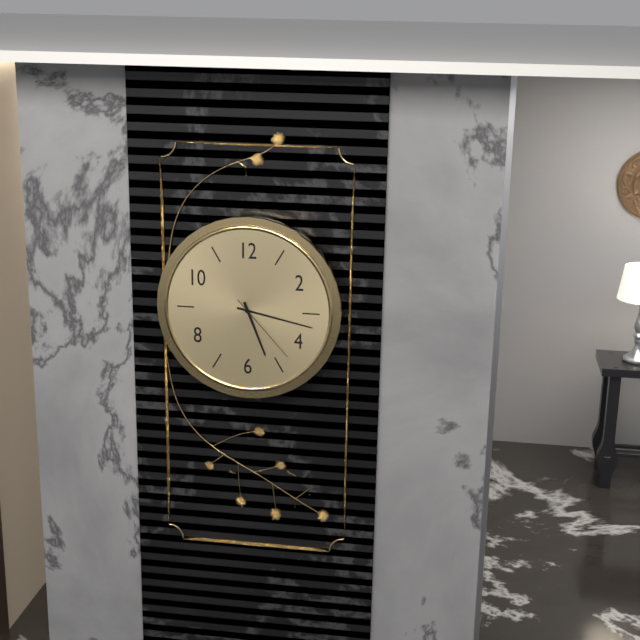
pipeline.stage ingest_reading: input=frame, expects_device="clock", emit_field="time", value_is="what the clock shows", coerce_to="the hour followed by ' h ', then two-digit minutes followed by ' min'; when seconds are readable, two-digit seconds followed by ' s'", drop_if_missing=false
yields 5 h 17 min 23 s
